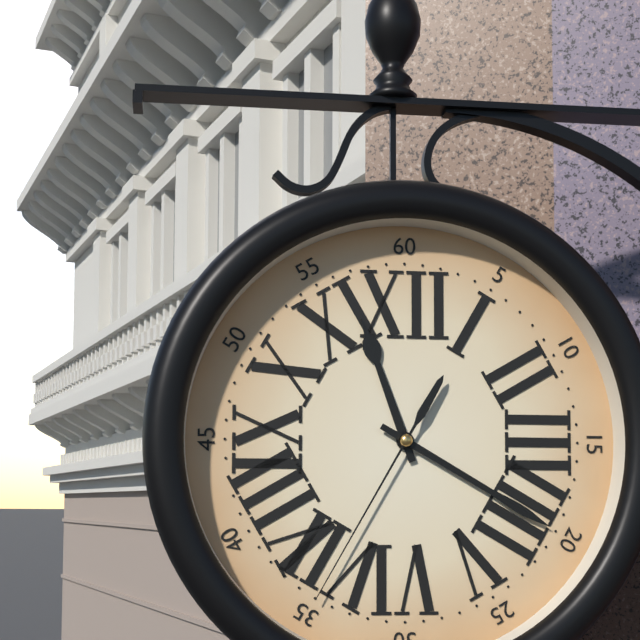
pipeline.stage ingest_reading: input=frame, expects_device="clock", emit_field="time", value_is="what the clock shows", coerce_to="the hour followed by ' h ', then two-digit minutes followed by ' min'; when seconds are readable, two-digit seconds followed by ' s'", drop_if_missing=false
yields 11 h 20 min 35 s
